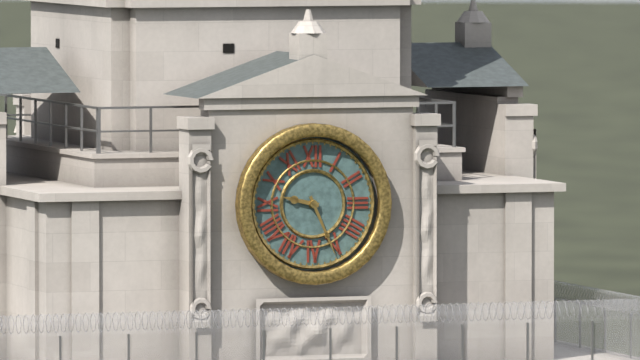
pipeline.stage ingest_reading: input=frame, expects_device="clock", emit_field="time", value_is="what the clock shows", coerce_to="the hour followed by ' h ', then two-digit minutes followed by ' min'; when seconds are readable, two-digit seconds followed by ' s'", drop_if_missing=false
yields 9 h 26 min
